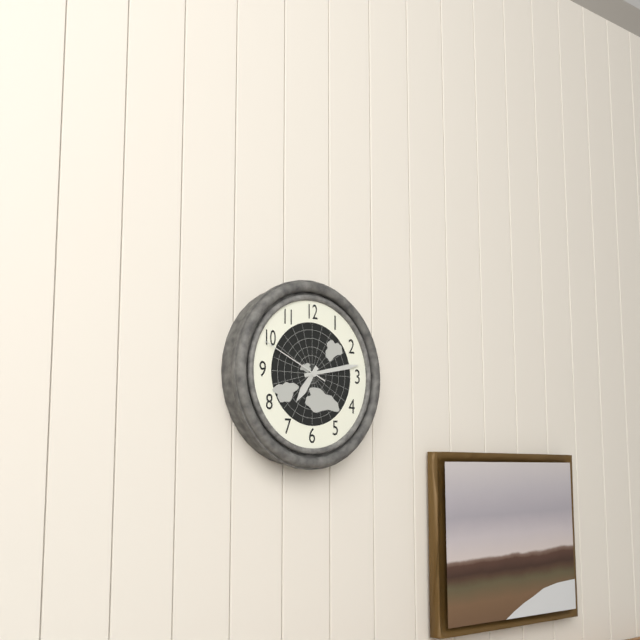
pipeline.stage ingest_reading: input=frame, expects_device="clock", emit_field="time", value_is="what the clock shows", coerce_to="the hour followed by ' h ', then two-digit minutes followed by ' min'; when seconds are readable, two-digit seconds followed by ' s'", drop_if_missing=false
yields 7 h 13 min 49 s
